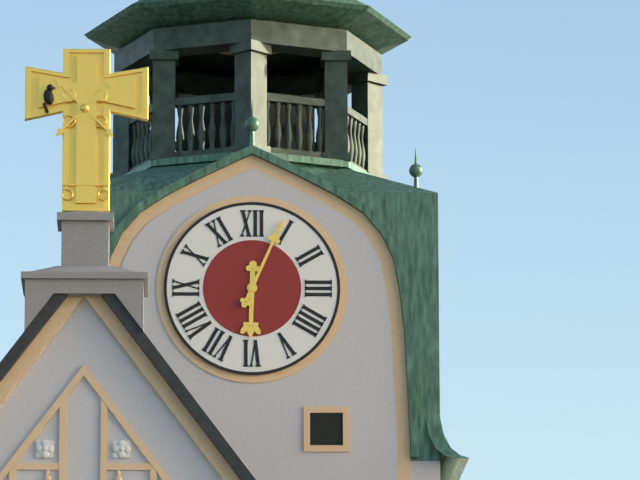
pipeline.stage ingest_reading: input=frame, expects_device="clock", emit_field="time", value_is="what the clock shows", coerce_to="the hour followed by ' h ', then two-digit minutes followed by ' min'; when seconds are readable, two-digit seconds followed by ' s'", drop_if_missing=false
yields 6 h 04 min
